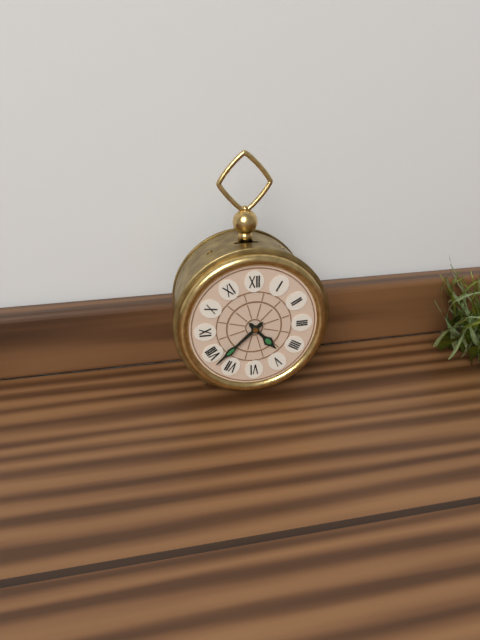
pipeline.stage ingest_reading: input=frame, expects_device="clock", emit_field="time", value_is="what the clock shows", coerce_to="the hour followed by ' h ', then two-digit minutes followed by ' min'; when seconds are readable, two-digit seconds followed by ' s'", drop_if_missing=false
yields 4 h 38 min
